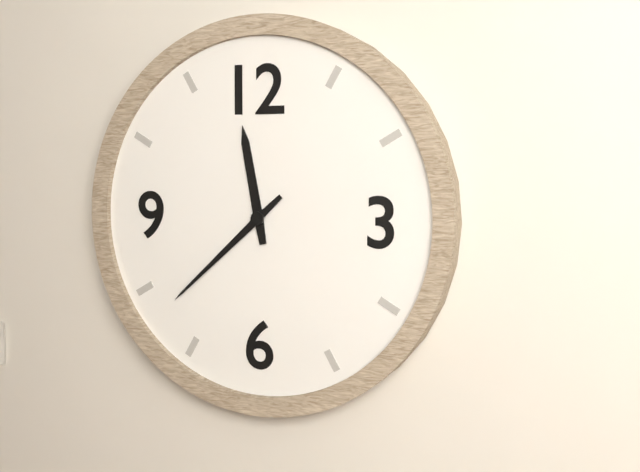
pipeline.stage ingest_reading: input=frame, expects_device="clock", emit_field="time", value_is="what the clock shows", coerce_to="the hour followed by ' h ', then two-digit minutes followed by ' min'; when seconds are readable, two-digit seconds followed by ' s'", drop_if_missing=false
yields 11 h 38 min
